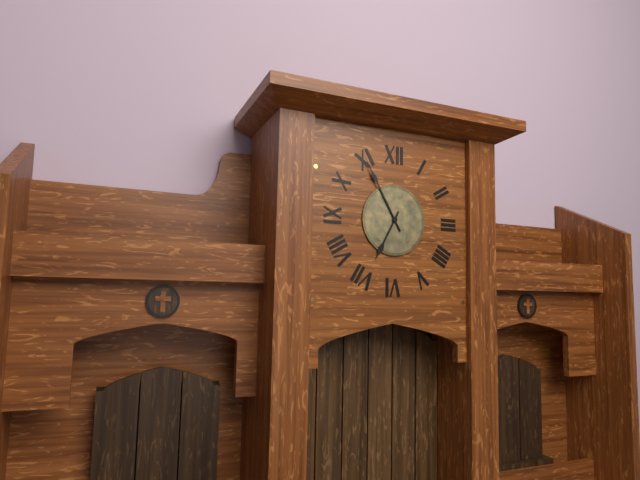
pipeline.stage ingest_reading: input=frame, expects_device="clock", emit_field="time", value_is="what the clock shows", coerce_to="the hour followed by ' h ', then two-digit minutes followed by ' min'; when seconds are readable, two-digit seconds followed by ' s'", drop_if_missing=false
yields 6 h 55 min
